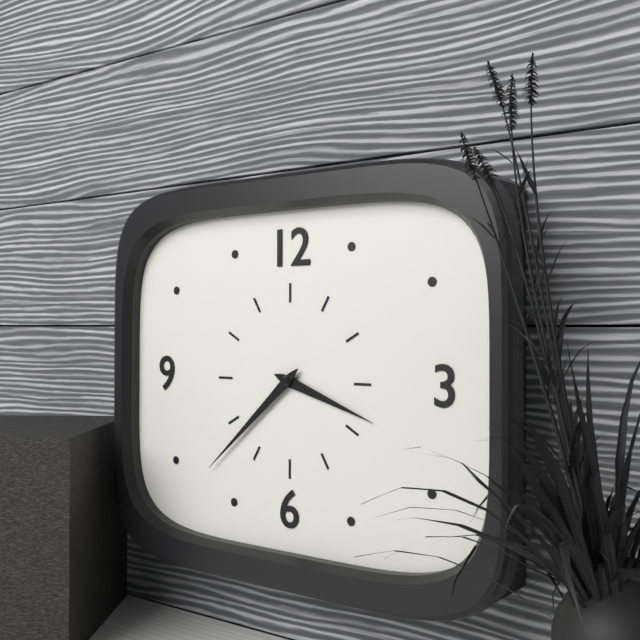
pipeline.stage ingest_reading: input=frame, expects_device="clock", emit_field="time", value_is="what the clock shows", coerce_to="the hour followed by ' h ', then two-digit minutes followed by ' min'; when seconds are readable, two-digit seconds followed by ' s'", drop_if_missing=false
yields 3 h 38 min
